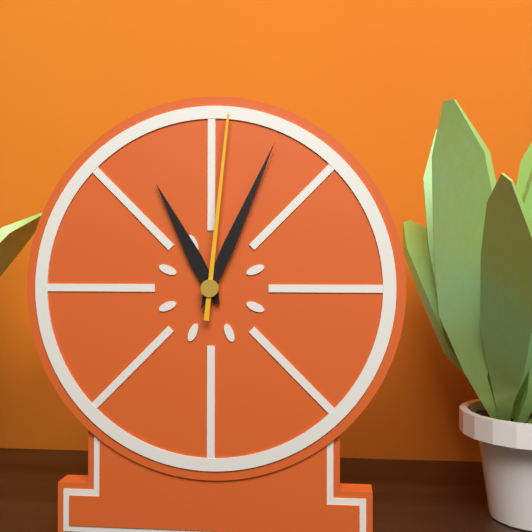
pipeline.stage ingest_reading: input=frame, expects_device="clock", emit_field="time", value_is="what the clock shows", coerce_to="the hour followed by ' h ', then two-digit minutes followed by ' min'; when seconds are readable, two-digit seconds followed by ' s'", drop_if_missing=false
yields 11 h 04 min 01 s
